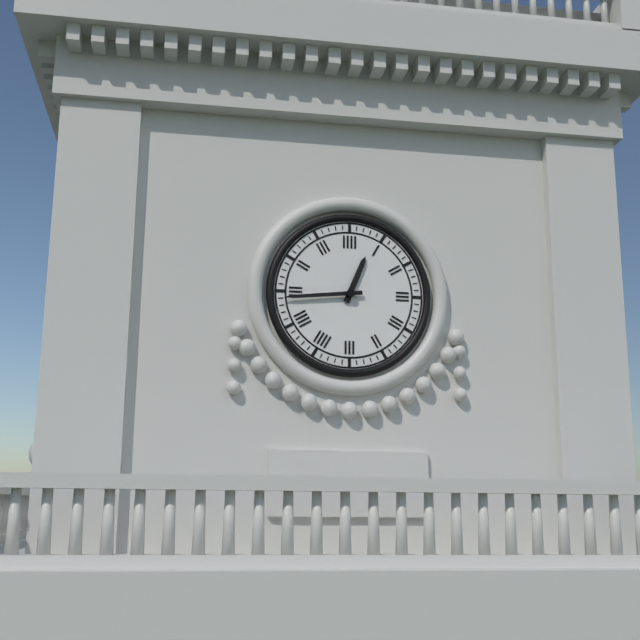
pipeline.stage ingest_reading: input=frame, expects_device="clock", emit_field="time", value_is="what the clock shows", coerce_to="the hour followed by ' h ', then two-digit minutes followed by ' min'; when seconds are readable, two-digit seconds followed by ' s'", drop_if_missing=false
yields 12 h 44 min
